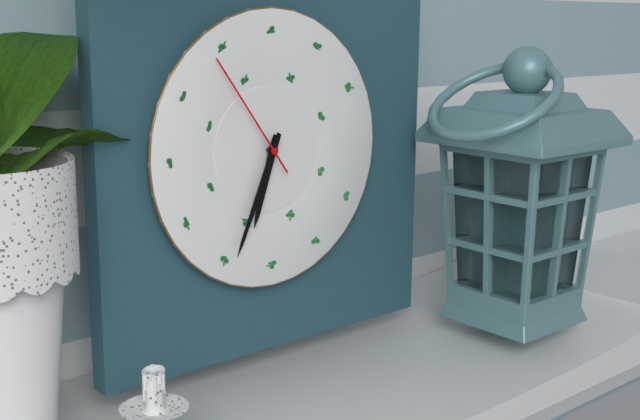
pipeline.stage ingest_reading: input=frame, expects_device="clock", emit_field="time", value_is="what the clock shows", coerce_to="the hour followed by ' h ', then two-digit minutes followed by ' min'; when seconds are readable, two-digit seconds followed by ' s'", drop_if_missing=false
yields 6 h 34 min 54 s
